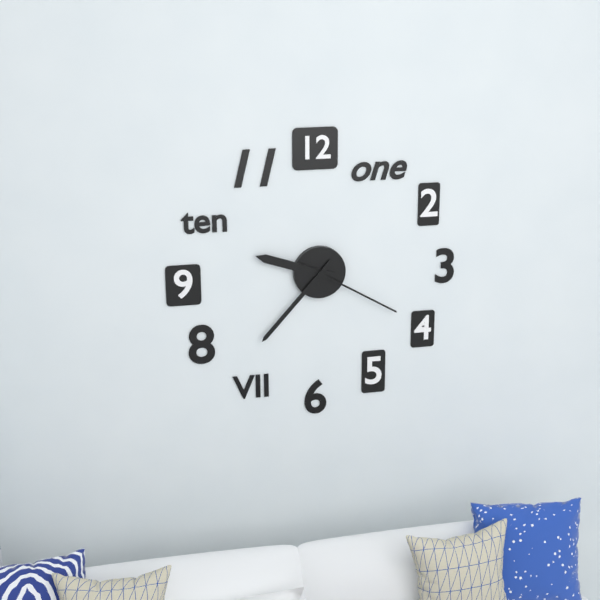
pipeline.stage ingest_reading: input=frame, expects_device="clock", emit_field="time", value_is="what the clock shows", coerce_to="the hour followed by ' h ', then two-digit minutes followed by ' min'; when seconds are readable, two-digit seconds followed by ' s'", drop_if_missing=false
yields 9 h 37 min 20 s
